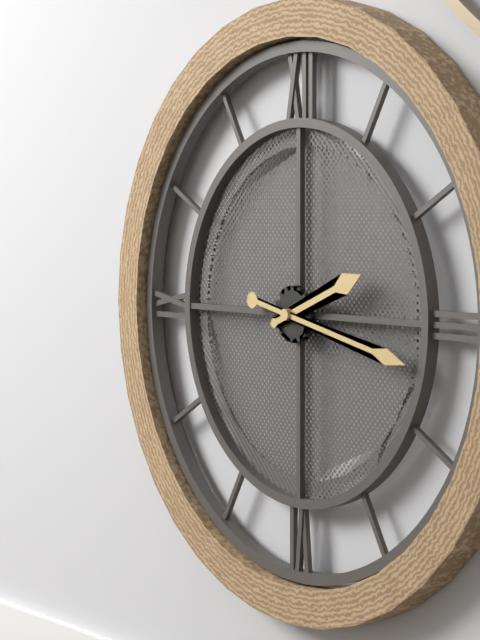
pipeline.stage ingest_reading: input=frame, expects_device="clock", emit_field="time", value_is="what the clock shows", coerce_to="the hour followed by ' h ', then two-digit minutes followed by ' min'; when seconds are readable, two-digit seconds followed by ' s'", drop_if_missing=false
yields 2 h 17 min
